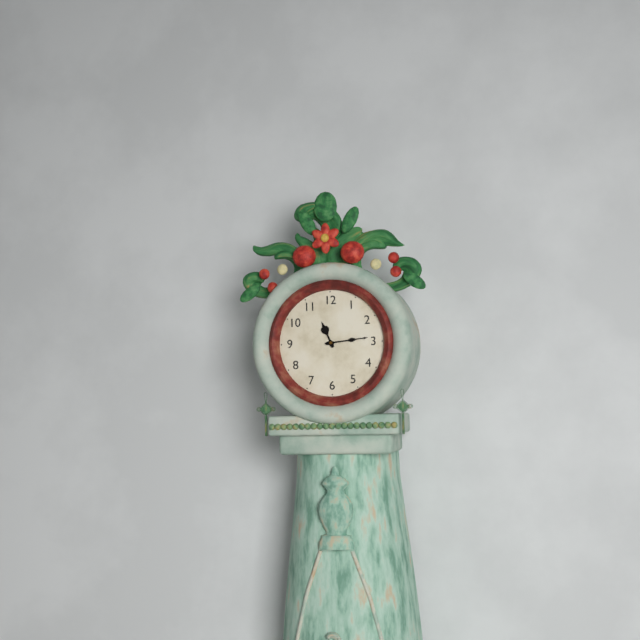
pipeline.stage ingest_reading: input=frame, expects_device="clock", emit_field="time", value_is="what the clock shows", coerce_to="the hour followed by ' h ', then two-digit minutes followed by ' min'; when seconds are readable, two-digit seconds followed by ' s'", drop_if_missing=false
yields 11 h 14 min
